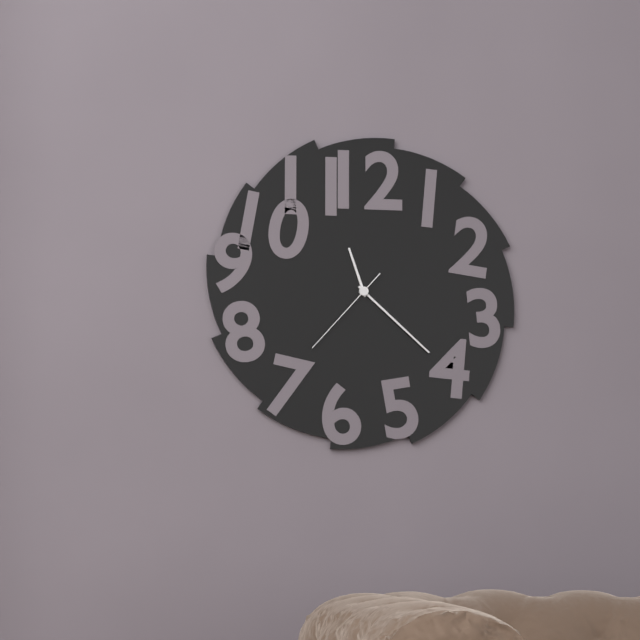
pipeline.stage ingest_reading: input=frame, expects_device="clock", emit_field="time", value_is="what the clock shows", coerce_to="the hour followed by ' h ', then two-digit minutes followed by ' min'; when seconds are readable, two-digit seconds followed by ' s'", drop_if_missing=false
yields 11 h 22 min 37 s
